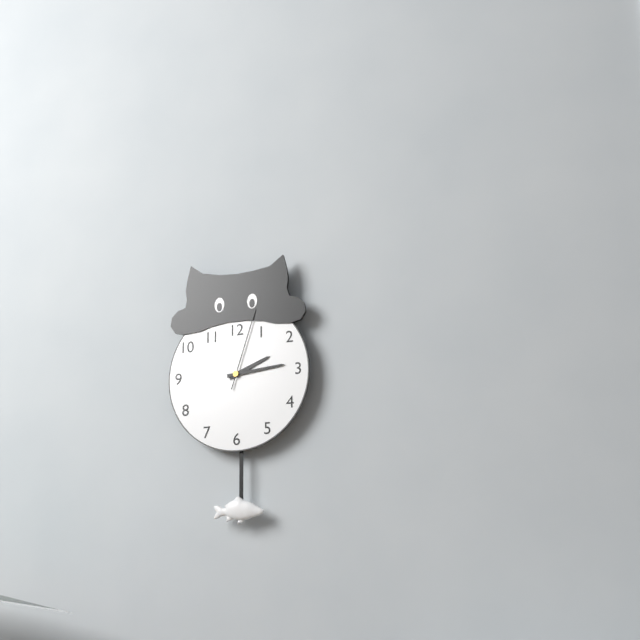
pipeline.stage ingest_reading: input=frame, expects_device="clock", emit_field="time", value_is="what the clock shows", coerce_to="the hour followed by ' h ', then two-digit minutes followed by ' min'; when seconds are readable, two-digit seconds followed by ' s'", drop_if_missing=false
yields 2 h 14 min 03 s
